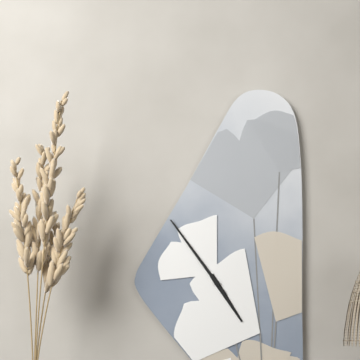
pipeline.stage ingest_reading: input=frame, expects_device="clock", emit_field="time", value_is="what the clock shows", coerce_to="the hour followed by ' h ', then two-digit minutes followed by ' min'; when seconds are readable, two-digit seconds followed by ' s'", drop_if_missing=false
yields 4 h 54 min
